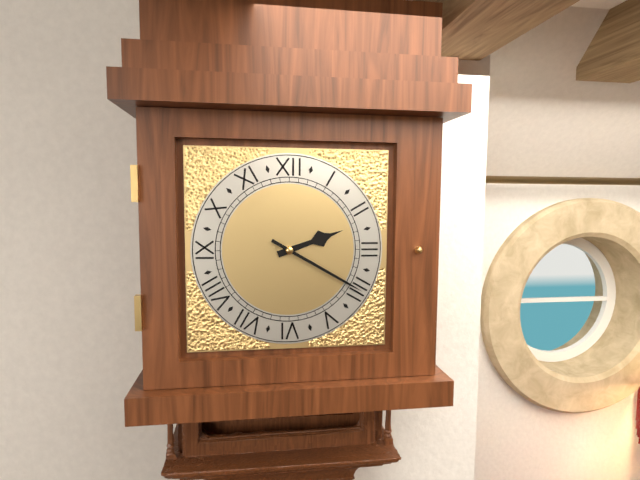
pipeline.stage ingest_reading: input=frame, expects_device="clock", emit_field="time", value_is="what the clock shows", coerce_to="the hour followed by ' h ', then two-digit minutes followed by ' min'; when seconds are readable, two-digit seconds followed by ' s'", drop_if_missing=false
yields 2 h 20 min
